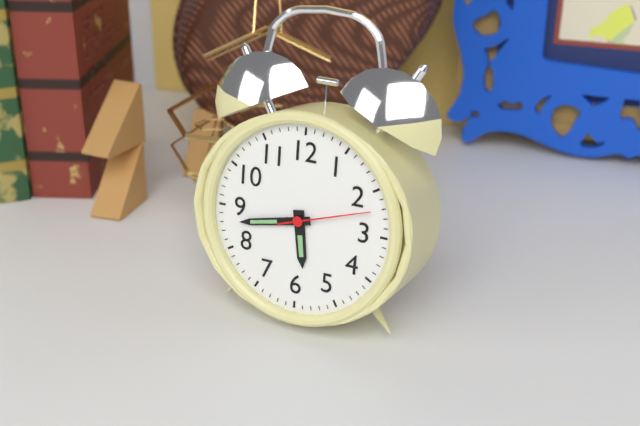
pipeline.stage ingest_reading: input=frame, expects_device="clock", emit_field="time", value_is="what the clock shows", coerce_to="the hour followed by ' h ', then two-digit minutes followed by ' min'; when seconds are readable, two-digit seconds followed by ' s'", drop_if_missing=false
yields 5 h 43 min 12 s
